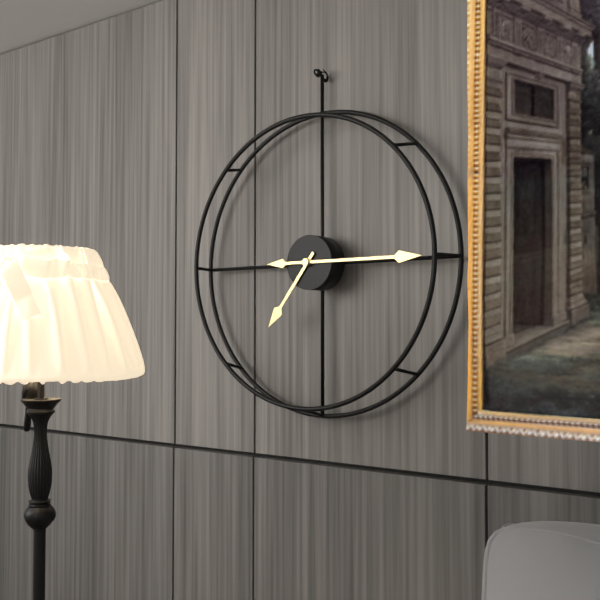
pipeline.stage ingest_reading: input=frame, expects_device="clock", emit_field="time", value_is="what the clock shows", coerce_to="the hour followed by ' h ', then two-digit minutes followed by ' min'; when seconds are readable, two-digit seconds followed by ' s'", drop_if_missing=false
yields 7 h 15 min
